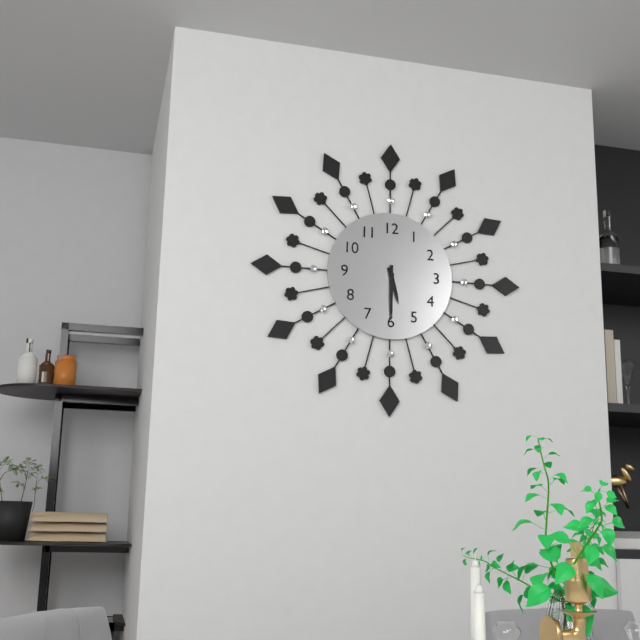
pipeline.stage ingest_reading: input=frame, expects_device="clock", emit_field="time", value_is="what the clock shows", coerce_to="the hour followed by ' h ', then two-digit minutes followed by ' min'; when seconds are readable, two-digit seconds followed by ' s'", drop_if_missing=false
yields 5 h 30 min
